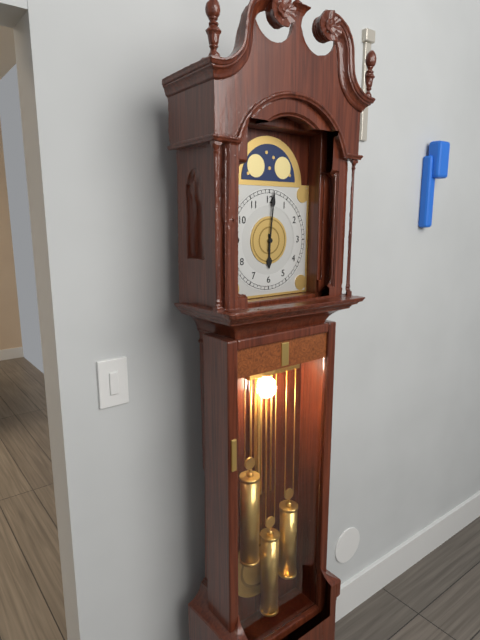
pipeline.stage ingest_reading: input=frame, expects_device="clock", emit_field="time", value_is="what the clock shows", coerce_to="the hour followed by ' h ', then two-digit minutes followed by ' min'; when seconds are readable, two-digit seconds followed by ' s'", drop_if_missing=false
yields 6 h 01 min
